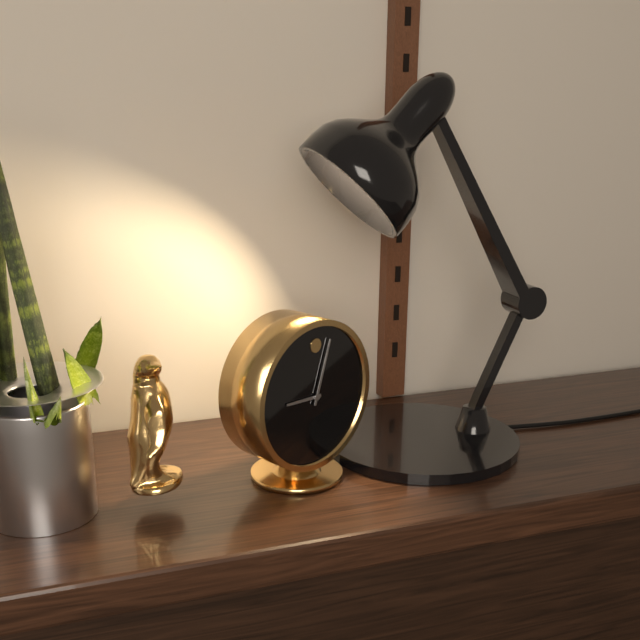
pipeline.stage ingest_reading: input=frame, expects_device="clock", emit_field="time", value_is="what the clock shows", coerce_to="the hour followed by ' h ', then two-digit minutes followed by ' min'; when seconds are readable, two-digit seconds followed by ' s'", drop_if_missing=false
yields 9 h 03 min
